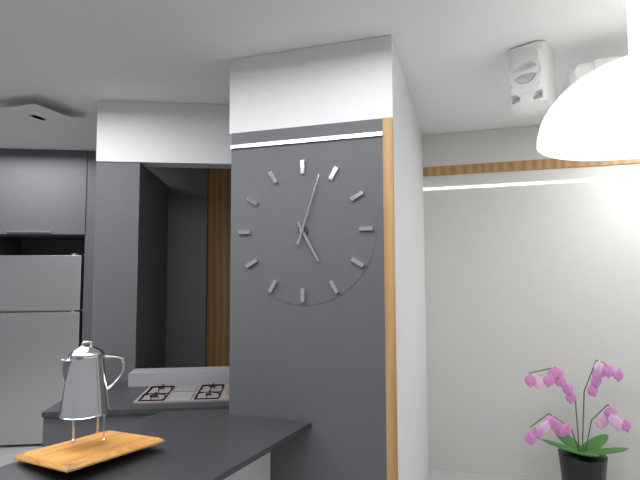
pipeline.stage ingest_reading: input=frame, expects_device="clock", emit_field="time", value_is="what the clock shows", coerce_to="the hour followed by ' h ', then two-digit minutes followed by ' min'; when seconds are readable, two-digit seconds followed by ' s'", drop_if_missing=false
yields 5 h 03 min
